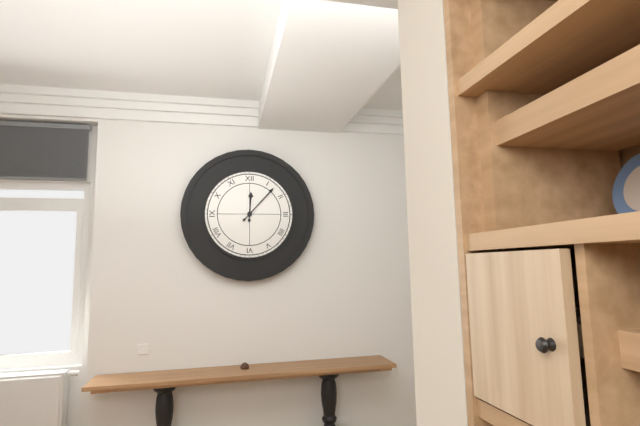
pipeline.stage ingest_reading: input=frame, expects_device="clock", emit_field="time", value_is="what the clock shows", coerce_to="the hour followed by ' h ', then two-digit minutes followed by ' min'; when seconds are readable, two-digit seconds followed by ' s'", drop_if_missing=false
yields 12 h 07 min
